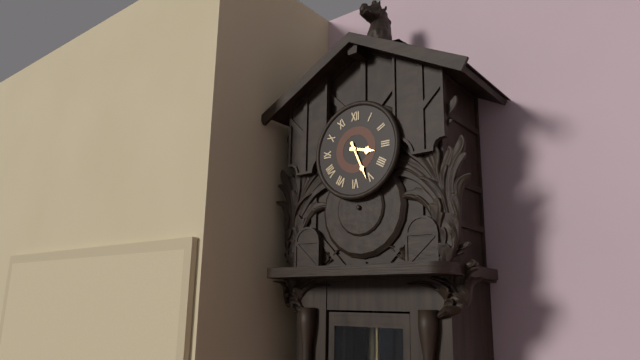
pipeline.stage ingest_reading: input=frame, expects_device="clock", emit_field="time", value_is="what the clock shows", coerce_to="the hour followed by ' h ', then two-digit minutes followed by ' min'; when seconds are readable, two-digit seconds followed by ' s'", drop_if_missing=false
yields 3 h 26 min
